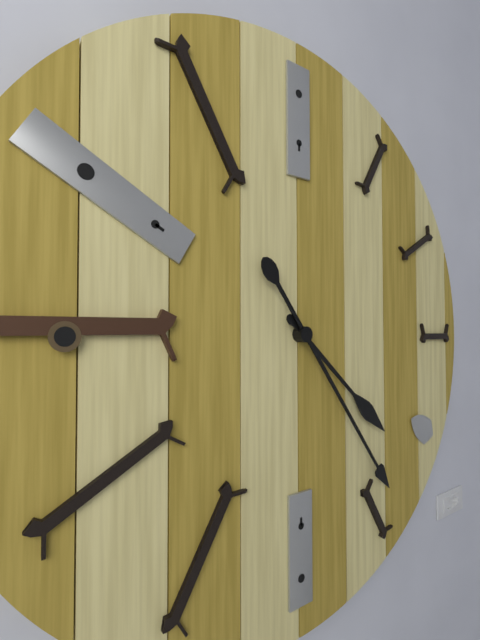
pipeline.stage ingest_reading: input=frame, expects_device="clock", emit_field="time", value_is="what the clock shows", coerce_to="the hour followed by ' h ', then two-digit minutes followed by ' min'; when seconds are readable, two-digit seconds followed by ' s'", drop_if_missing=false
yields 4 h 24 min
